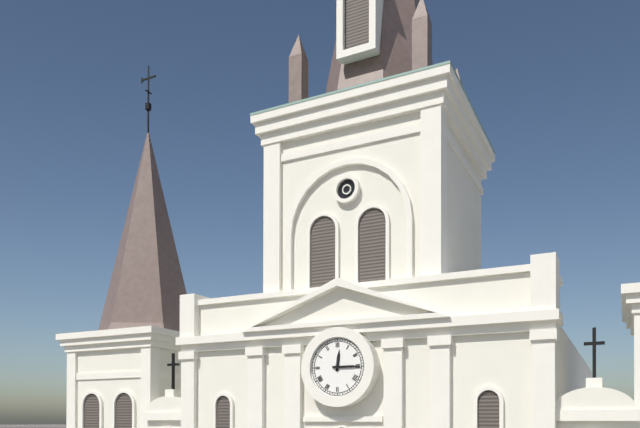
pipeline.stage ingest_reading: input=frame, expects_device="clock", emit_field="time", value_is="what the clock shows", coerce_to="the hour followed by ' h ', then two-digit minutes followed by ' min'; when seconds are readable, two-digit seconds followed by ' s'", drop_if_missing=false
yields 12 h 15 min
